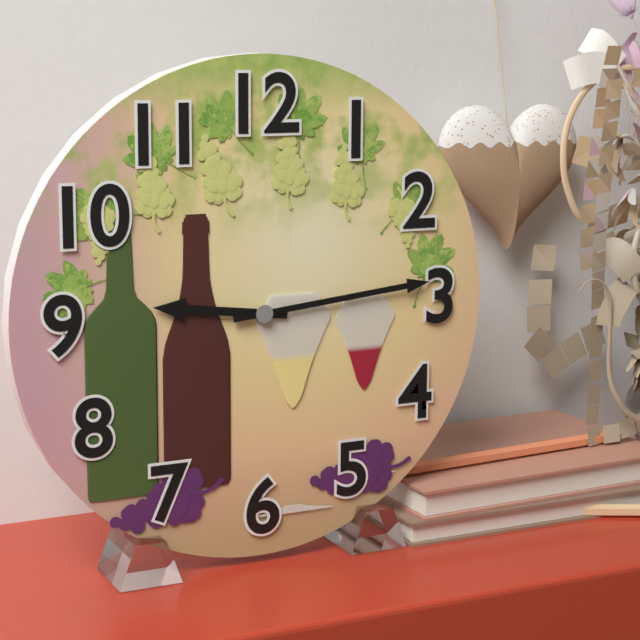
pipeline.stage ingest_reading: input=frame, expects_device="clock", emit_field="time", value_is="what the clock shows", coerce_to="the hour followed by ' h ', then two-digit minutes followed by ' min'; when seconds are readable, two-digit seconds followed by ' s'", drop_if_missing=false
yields 9 h 14 min
